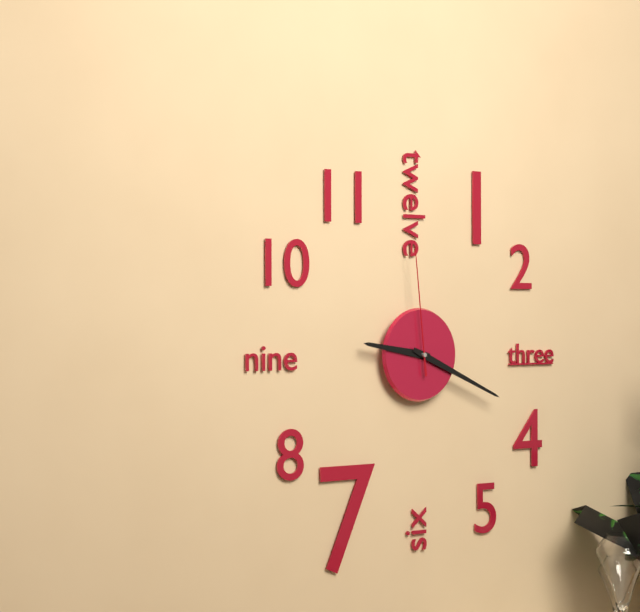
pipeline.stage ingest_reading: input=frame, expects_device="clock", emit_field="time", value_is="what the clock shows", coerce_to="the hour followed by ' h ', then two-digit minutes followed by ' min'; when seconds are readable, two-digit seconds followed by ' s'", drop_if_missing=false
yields 9 h 19 min 59 s
